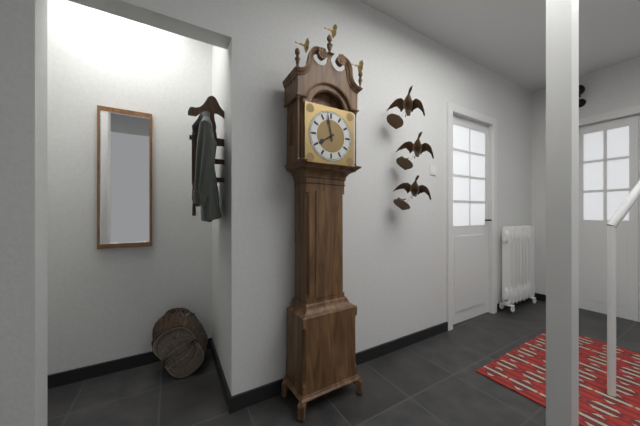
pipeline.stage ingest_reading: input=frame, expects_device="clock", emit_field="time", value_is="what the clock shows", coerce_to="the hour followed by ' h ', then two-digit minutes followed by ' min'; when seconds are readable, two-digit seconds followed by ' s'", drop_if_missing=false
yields 7 h 58 min
